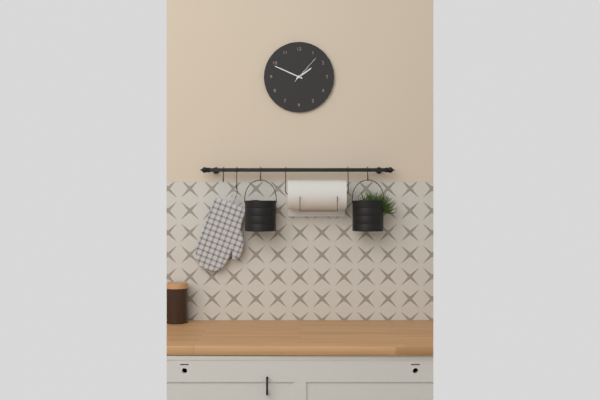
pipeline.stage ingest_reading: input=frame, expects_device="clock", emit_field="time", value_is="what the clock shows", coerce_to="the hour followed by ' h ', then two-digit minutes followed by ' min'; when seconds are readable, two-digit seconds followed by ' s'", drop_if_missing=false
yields 1 h 49 min
